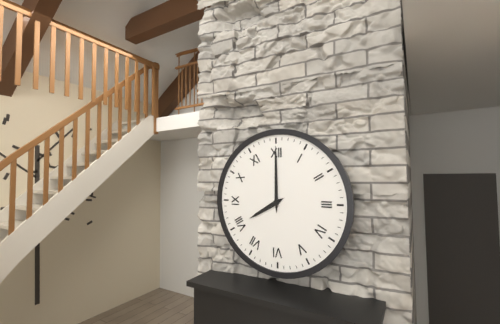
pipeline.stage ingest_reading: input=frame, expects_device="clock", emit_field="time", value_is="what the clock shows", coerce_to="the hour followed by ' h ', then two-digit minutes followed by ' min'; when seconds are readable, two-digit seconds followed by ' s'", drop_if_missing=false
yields 8 h 00 min
